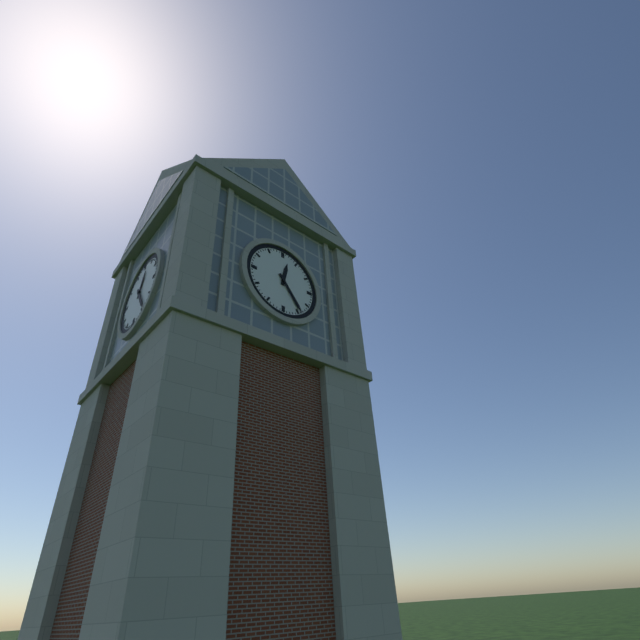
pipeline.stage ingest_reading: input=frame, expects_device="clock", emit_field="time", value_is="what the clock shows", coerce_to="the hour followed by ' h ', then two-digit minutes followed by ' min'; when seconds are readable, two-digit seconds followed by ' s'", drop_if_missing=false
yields 12 h 24 min
